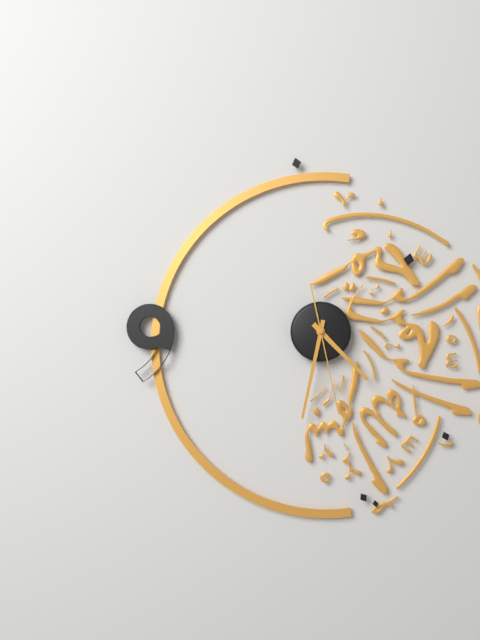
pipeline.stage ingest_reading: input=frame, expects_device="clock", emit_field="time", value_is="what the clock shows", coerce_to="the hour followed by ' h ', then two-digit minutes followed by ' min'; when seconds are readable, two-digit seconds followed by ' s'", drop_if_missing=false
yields 4 h 32 min 28 s
